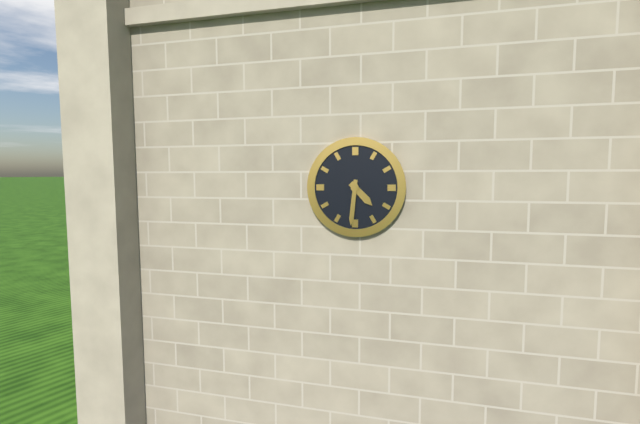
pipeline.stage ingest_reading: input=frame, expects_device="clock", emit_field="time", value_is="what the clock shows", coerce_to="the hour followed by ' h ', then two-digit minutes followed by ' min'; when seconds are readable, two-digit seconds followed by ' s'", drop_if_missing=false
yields 4 h 31 min
